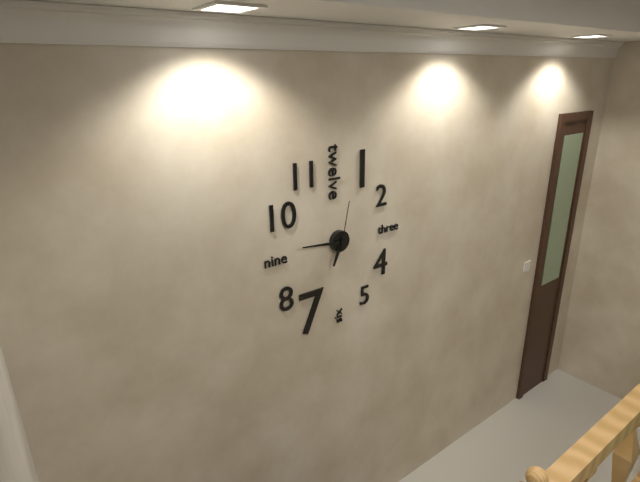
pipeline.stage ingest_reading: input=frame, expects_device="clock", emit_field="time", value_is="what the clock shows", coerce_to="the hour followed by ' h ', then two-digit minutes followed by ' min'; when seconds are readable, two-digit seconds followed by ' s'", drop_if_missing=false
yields 6 h 46 min 02 s
